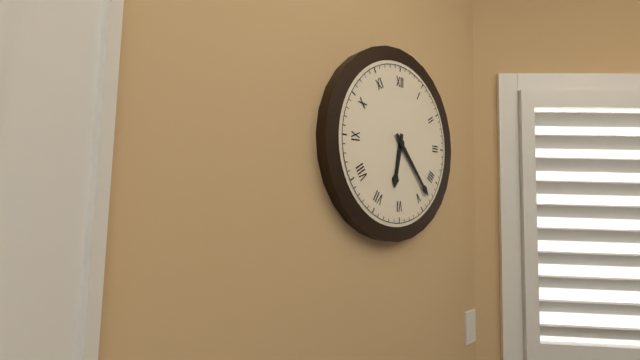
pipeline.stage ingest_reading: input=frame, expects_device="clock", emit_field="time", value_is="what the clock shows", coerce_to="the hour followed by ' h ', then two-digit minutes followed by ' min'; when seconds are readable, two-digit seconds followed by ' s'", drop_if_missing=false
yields 6 h 23 min
